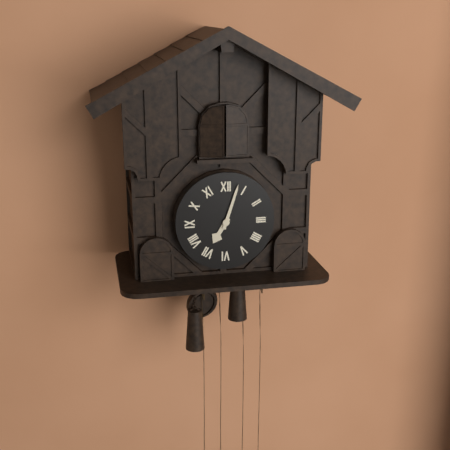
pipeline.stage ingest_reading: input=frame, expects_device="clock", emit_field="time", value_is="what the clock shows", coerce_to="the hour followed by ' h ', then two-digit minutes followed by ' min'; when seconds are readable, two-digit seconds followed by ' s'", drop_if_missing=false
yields 7 h 03 min
